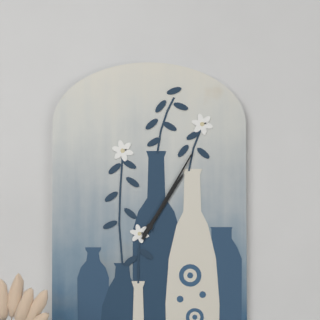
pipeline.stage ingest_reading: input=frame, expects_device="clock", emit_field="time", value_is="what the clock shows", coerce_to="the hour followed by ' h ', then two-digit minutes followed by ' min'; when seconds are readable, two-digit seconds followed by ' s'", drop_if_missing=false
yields 1 h 05 min
